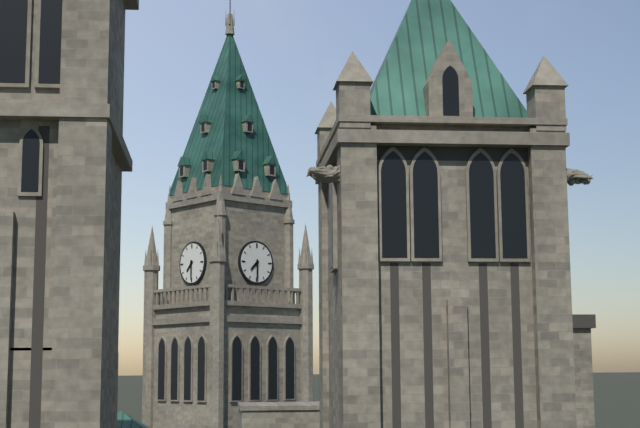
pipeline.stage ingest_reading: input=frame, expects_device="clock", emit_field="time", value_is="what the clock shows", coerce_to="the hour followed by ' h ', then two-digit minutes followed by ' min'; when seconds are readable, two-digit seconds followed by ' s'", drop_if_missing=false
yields 7 h 30 min
